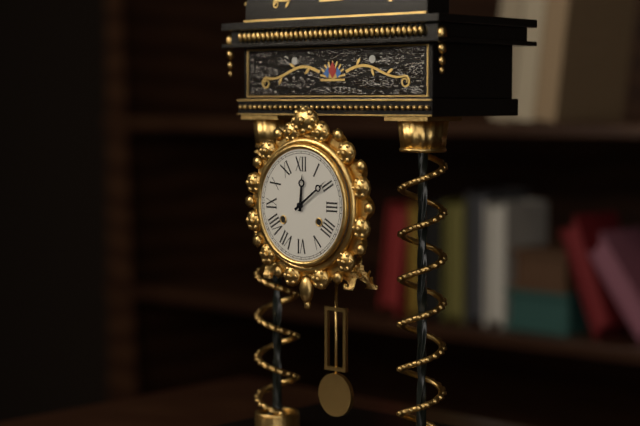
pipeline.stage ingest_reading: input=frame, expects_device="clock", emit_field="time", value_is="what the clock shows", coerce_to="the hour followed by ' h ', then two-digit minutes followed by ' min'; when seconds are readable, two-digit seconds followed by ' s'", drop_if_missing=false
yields 12 h 09 min
